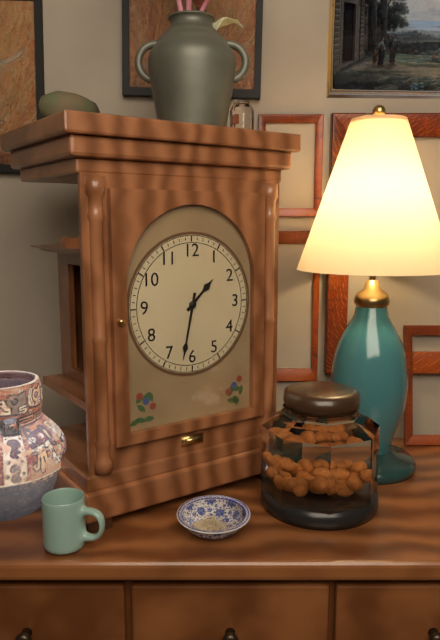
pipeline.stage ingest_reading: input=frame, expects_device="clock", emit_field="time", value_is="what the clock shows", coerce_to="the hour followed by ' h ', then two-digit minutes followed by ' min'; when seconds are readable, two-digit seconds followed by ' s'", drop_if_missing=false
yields 1 h 32 min
